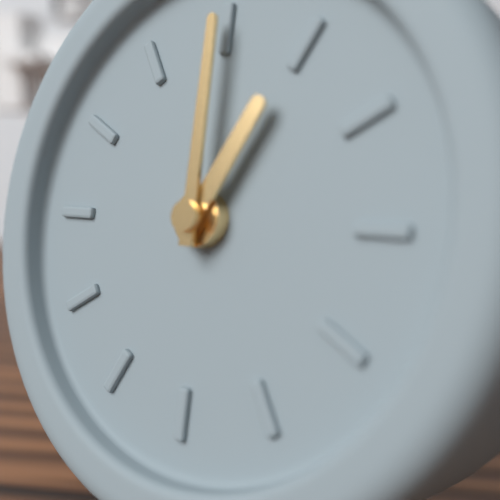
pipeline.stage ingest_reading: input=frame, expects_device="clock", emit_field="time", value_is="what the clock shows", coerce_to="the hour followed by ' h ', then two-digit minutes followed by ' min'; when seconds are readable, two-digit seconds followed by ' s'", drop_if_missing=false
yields 1 h 00 min
